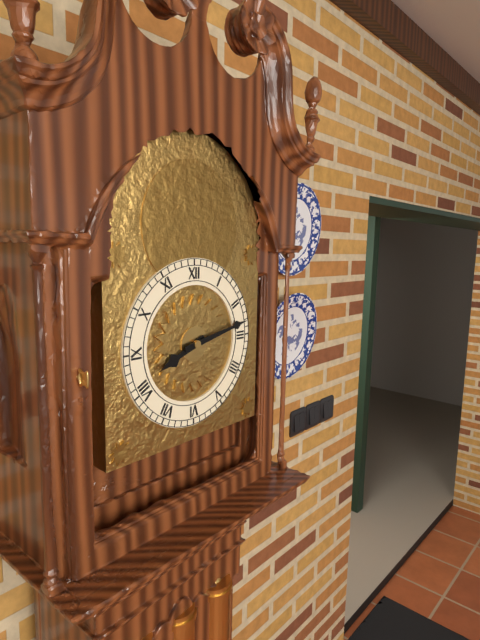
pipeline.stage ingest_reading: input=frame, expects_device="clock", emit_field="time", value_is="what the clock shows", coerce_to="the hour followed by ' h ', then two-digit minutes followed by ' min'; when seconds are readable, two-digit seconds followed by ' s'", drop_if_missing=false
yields 8 h 13 min
